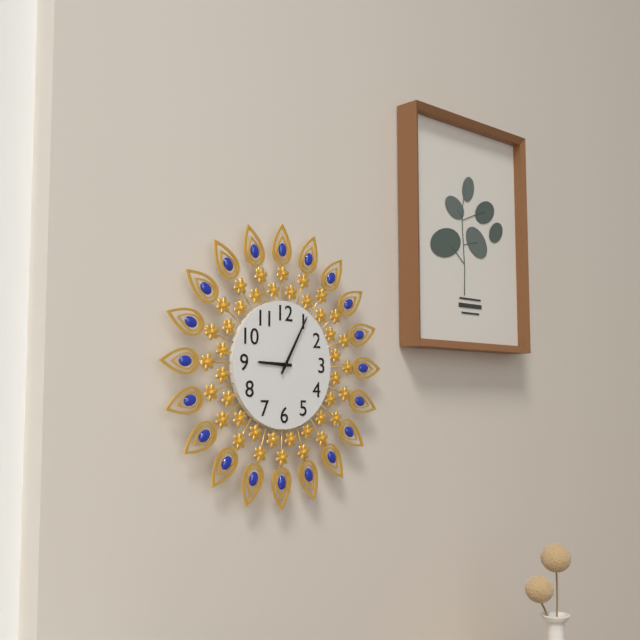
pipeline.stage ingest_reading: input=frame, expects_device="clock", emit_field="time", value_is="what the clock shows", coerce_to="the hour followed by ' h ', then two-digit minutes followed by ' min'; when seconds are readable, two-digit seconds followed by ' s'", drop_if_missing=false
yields 9 h 05 min
